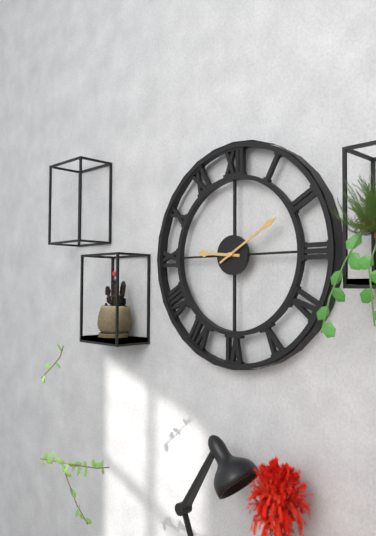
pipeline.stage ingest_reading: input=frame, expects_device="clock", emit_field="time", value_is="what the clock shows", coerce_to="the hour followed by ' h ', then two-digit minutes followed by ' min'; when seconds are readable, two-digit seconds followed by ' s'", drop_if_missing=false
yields 9 h 10 min
